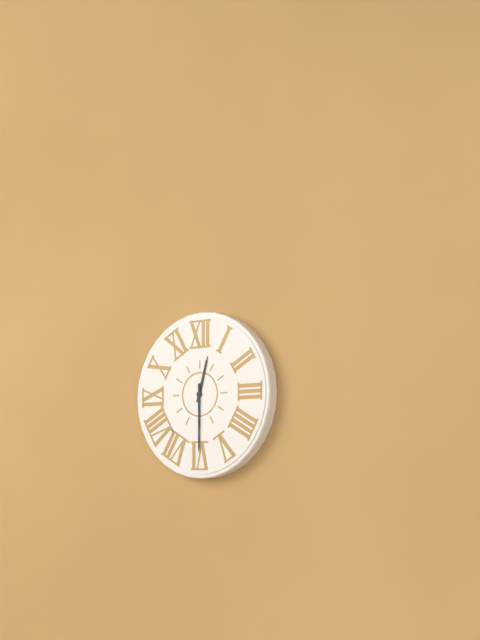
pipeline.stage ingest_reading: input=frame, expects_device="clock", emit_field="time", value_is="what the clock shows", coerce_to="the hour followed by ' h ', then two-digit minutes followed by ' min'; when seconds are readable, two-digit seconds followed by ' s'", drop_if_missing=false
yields 12 h 30 min
